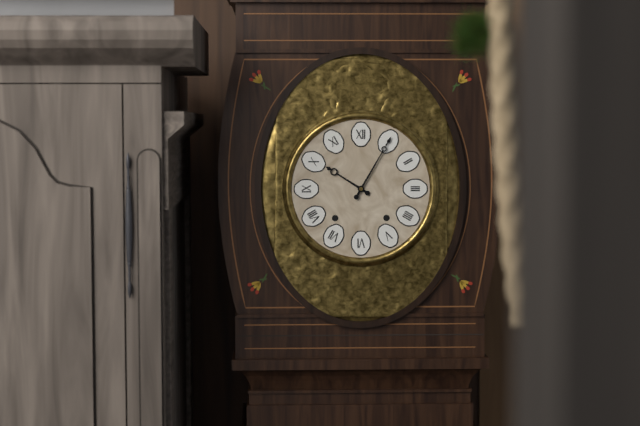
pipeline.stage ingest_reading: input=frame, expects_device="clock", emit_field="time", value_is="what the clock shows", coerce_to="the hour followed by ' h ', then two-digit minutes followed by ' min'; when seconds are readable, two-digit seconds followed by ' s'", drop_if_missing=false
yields 10 h 05 min
